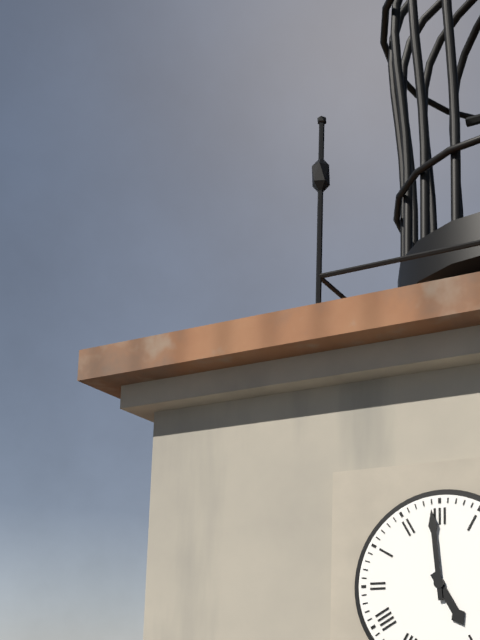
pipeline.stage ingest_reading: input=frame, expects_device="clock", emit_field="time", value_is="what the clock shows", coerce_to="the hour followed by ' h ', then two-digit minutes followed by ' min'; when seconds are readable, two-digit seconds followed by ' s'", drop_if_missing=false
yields 4 h 59 min
